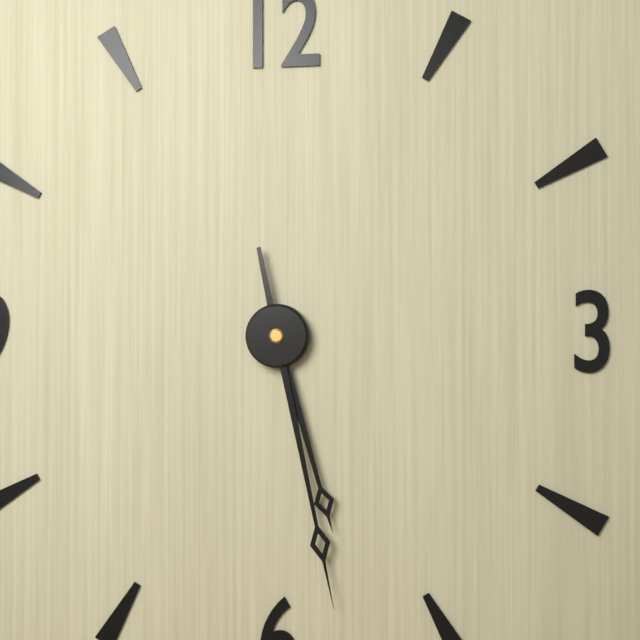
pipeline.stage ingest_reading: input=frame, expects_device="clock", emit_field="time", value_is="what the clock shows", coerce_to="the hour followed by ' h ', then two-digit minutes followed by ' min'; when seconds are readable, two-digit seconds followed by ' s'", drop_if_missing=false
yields 5 h 28 min
